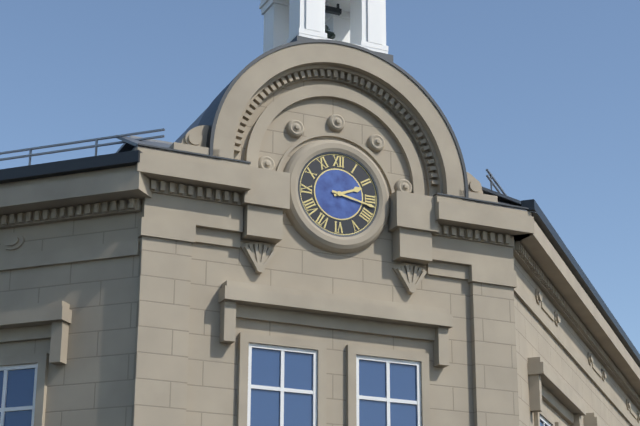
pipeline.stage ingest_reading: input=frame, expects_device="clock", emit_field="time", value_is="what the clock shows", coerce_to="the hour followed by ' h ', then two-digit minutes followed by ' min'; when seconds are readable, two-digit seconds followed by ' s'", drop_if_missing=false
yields 2 h 17 min
